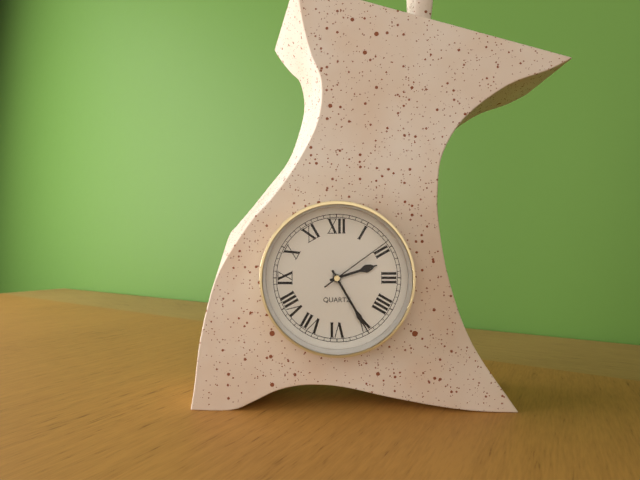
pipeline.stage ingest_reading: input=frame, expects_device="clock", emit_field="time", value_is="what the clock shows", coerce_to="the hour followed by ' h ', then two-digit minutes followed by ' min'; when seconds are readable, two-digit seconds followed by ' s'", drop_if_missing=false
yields 2 h 25 min 09 s
